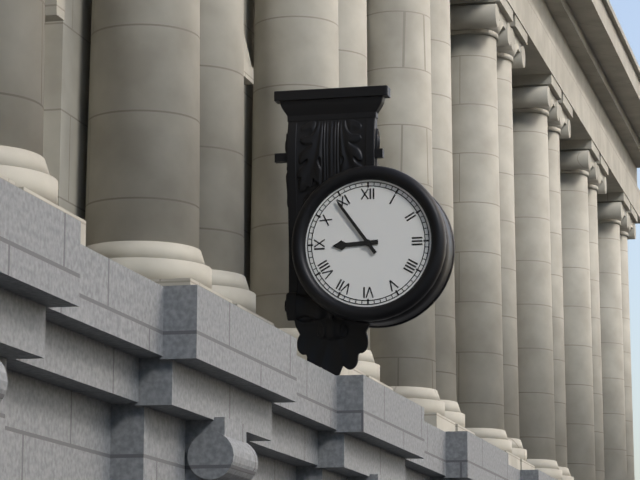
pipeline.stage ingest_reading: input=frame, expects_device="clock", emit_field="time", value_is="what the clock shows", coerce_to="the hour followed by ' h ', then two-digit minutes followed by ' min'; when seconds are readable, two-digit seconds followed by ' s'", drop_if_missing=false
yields 8 h 54 min
